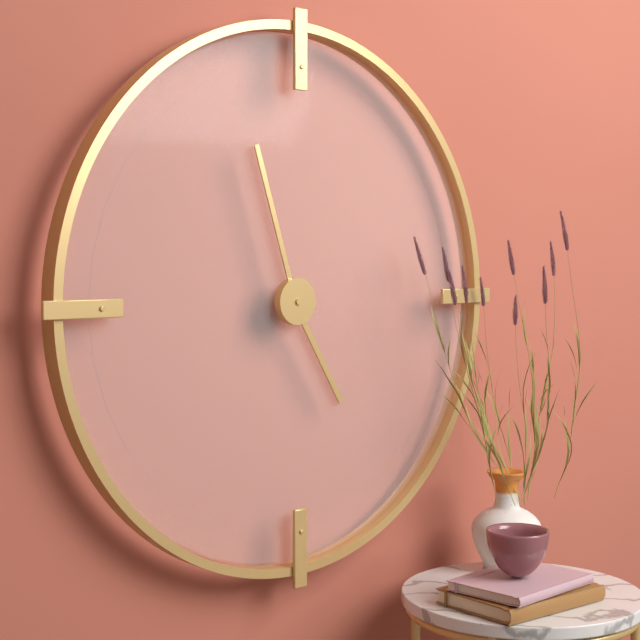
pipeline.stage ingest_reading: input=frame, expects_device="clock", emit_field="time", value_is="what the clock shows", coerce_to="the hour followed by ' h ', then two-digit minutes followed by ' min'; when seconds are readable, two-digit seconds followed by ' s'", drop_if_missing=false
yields 4 h 57 min
